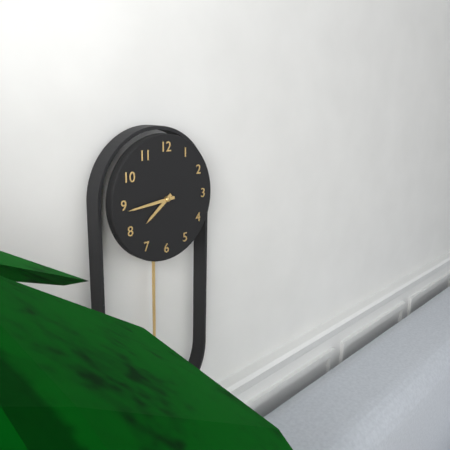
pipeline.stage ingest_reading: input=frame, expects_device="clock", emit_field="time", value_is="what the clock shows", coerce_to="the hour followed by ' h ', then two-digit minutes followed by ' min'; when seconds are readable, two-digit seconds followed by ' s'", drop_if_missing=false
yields 7 h 44 min
